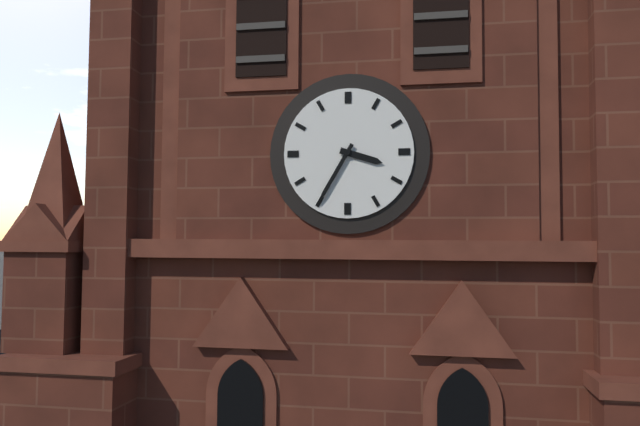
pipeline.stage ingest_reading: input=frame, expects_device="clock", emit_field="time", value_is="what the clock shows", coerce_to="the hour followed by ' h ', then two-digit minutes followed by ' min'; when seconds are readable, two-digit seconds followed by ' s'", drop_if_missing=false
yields 3 h 35 min
